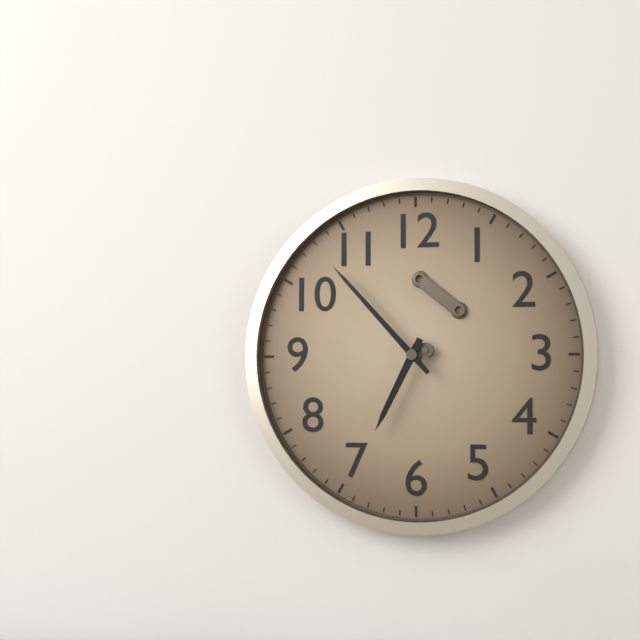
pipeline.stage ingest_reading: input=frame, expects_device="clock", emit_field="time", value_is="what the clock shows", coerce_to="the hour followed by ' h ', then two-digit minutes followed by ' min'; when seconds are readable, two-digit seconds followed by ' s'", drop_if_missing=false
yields 6 h 53 min
